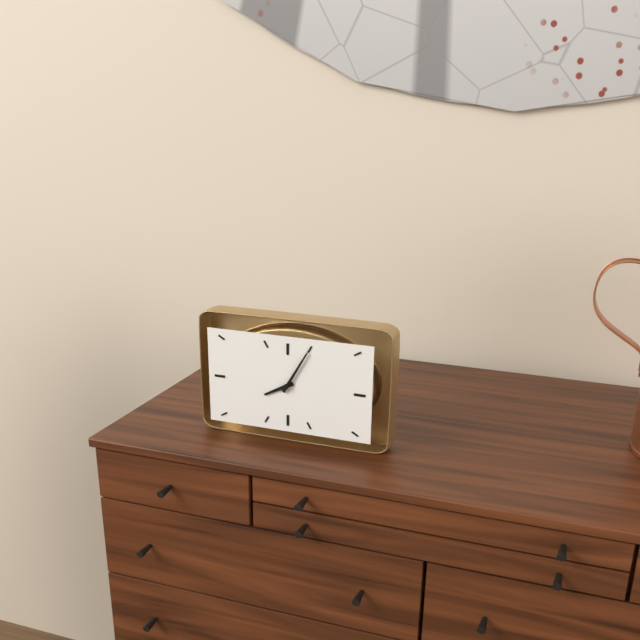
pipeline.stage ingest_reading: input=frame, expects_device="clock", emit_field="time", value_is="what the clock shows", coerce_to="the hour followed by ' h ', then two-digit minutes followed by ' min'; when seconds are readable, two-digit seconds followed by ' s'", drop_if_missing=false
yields 8 h 05 min
